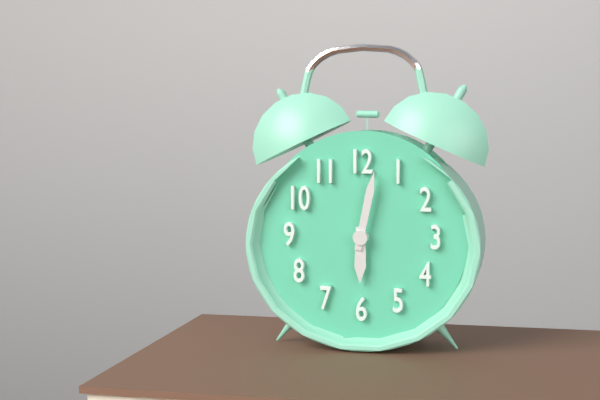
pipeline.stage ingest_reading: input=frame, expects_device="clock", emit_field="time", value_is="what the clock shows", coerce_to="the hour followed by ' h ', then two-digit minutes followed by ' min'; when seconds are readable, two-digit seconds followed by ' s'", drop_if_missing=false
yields 6 h 02 min
